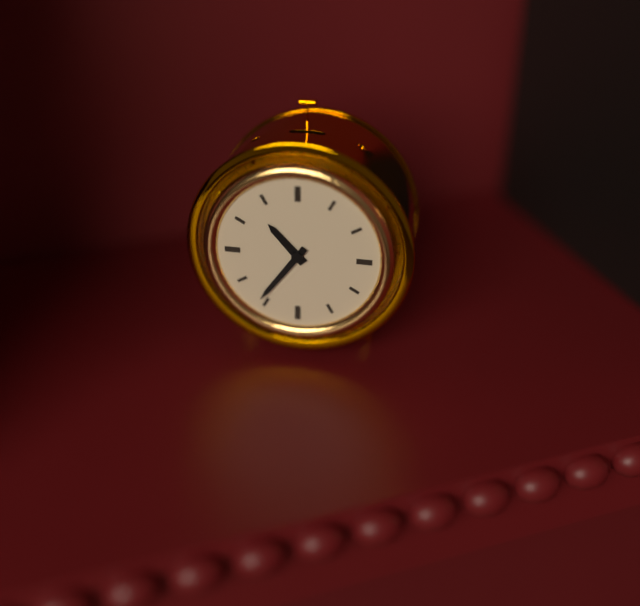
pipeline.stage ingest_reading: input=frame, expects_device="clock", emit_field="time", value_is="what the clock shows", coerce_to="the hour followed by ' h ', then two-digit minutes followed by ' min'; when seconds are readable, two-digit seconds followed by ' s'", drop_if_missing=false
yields 10 h 36 min
